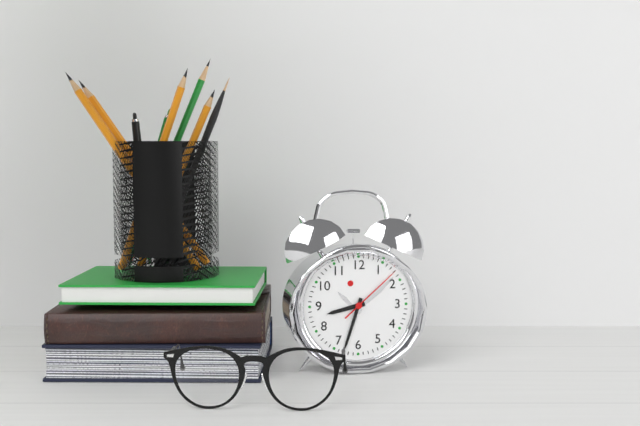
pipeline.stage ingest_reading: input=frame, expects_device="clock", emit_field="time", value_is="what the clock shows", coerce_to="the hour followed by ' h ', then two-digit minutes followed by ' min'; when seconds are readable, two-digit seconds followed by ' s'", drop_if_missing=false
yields 8 h 33 min 08 s
